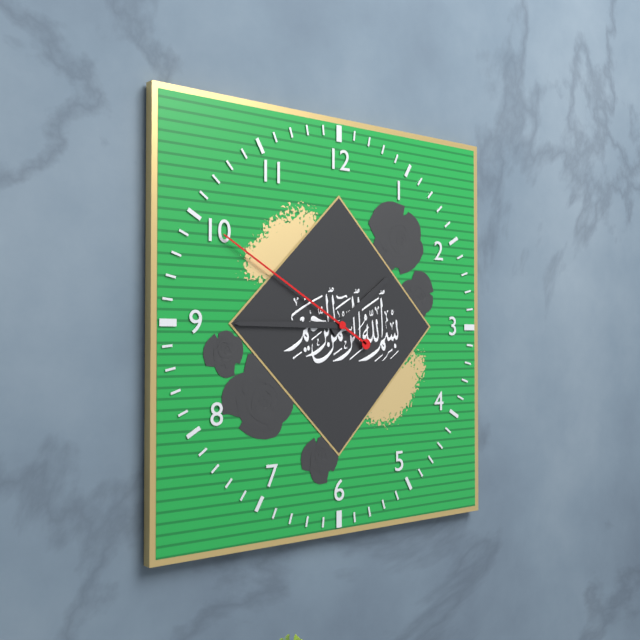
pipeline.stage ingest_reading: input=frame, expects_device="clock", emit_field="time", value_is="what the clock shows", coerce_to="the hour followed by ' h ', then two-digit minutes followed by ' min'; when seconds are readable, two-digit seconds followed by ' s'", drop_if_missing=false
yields 1 h 45 min 50 s
